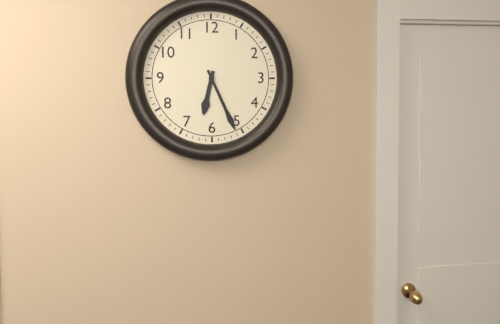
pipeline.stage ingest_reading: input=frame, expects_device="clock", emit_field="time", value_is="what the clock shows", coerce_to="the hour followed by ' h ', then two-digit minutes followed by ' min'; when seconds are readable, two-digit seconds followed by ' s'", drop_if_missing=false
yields 6 h 26 min
